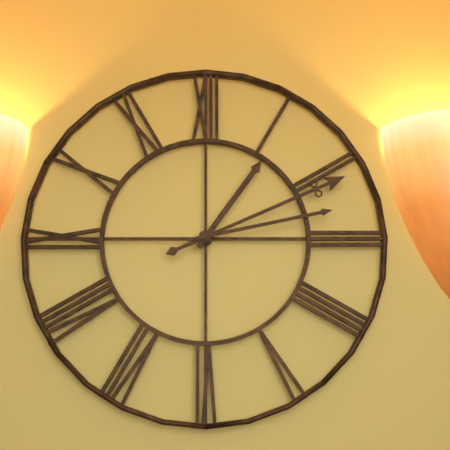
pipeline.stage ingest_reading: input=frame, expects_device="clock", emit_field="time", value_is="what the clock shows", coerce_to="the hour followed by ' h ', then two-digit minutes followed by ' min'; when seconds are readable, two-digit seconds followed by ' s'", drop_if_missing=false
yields 1 h 11 min 13 s
